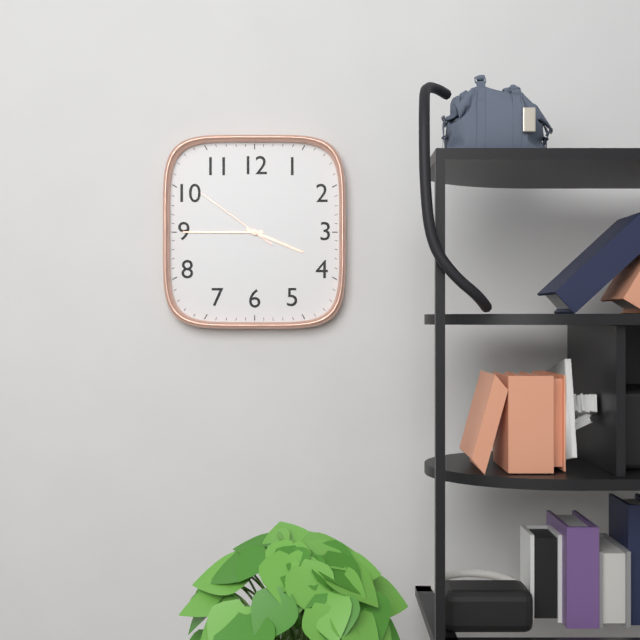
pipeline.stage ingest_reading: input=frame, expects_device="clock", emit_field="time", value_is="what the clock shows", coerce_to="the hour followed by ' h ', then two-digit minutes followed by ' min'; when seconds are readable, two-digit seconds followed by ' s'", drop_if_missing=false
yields 3 h 45 min 51 s
